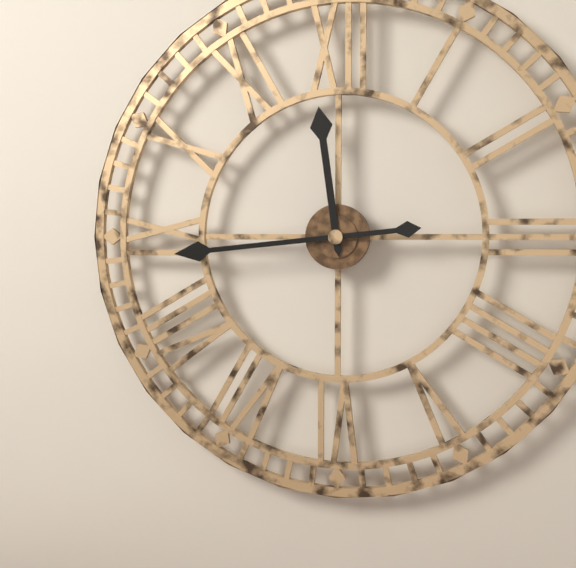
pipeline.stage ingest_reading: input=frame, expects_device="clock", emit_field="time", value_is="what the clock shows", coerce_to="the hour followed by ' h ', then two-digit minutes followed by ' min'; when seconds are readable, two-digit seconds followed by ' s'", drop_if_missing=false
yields 11 h 44 min
